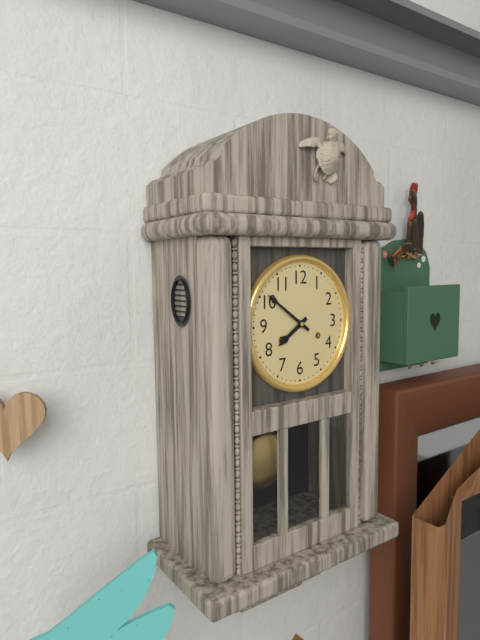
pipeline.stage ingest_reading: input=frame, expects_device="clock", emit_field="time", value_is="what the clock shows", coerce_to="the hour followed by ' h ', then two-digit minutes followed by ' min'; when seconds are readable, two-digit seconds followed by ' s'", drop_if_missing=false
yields 7 h 51 min
